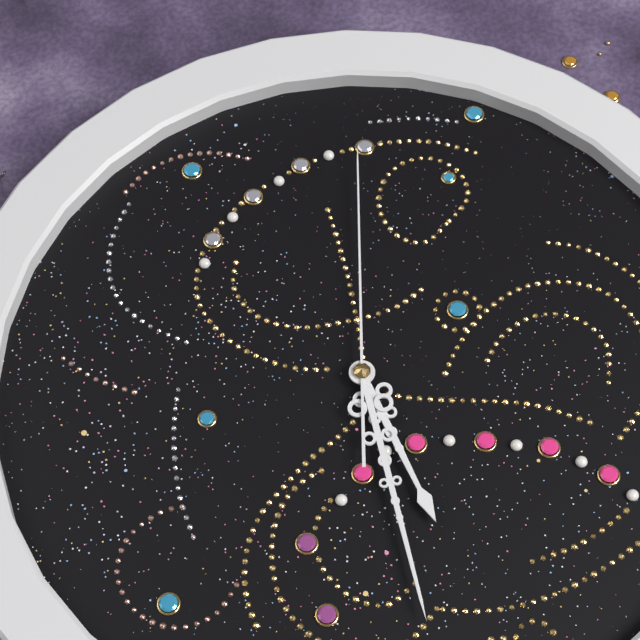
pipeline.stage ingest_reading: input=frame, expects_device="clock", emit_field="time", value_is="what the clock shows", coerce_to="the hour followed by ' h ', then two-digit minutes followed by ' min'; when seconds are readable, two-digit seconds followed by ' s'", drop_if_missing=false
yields 12 h 02 min 34 s
